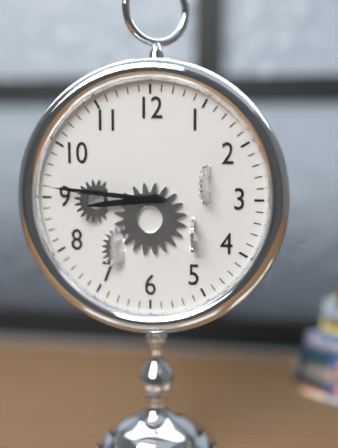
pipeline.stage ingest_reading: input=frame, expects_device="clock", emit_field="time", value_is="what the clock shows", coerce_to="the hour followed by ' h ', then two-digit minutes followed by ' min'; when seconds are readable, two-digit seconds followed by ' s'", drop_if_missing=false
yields 8 h 46 min
